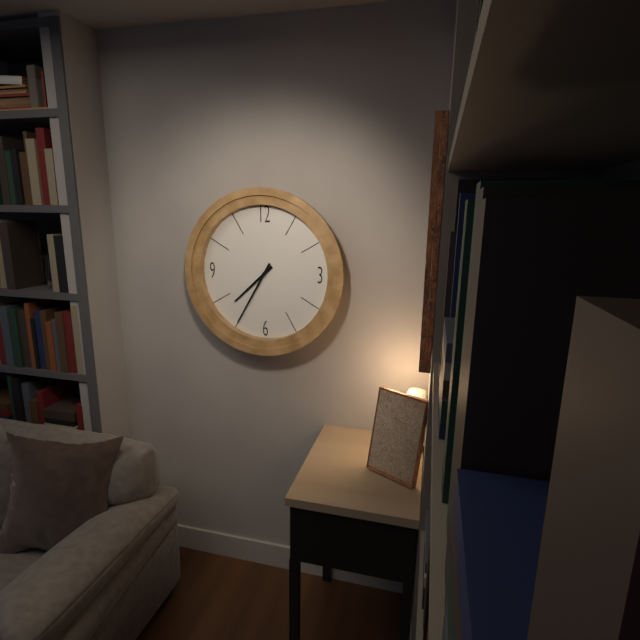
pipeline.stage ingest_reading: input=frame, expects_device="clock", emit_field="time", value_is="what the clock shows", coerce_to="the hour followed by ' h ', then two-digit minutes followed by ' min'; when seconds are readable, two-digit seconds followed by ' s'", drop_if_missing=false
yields 7 h 35 min
